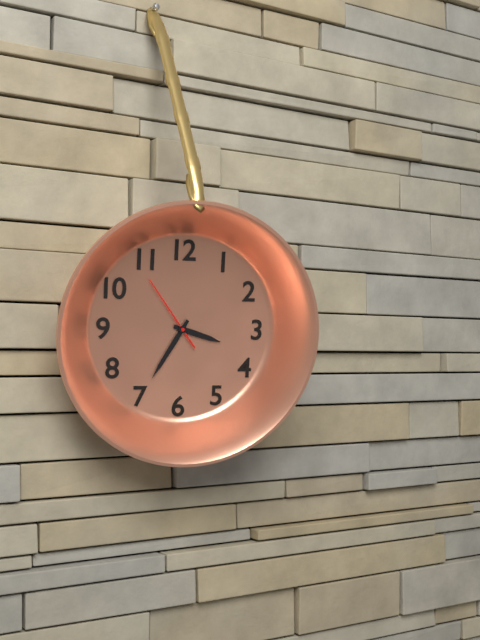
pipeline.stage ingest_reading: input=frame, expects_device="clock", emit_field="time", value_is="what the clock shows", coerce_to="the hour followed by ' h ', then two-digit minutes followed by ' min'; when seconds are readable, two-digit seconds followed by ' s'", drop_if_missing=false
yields 3 h 35 min 54 s
